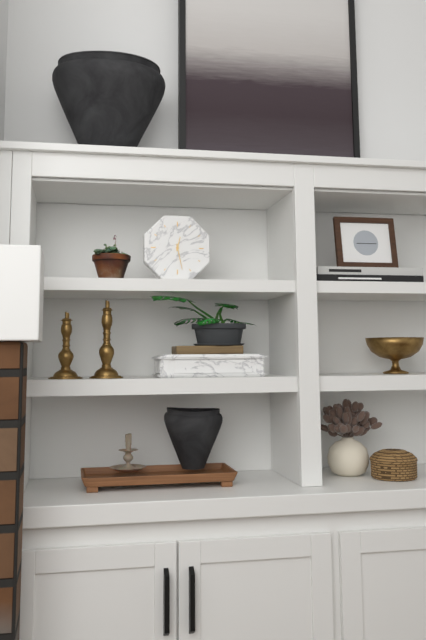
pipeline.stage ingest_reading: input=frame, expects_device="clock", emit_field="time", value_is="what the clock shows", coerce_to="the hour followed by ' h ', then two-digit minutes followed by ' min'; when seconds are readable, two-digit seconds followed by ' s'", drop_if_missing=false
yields 12 h 28 min
